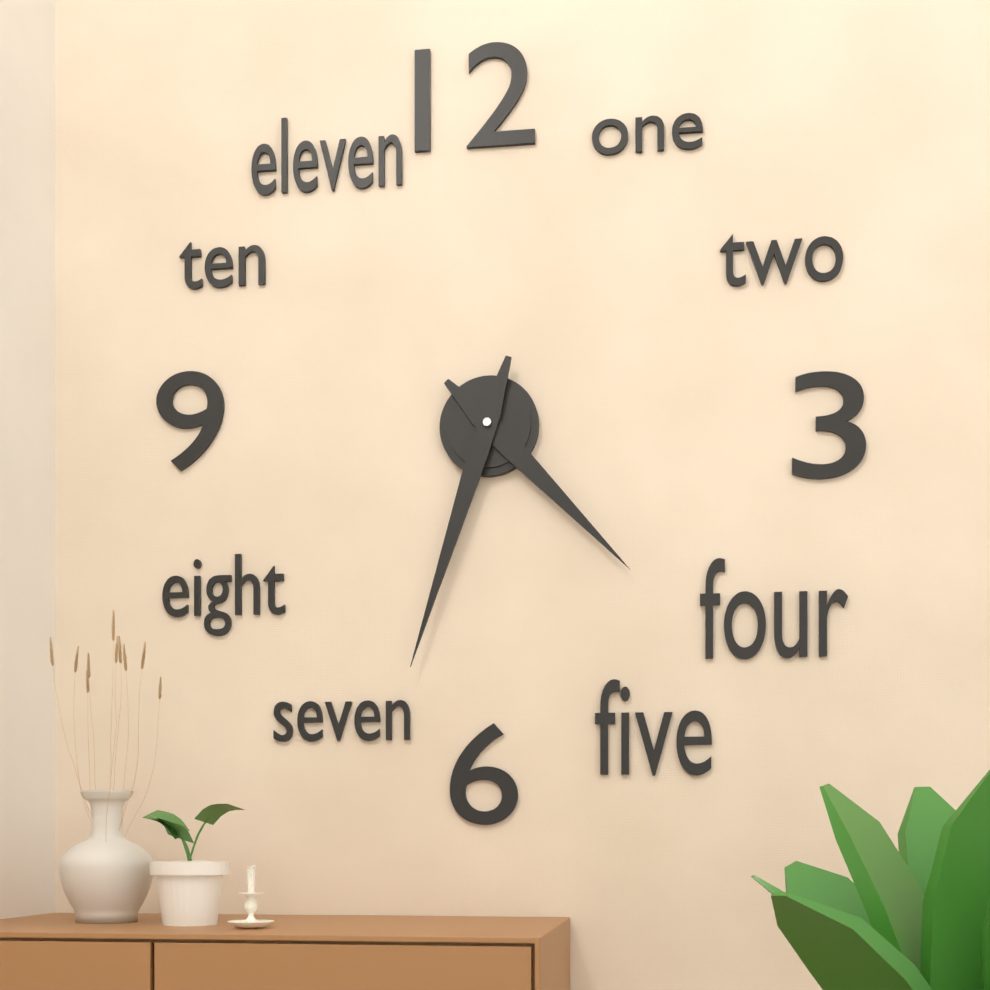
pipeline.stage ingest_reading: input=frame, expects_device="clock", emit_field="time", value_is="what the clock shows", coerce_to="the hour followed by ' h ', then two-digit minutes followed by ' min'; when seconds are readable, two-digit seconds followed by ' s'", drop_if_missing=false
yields 4 h 33 min
